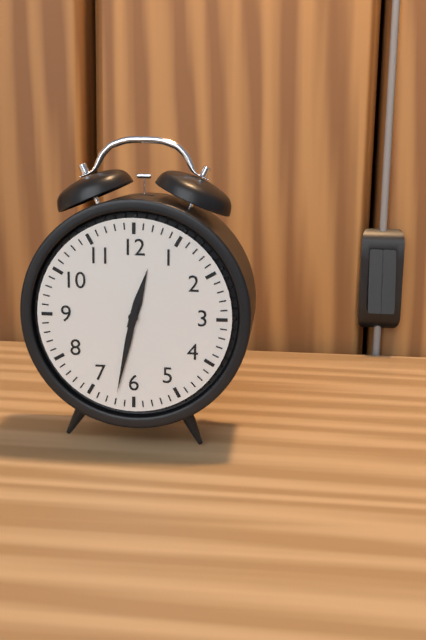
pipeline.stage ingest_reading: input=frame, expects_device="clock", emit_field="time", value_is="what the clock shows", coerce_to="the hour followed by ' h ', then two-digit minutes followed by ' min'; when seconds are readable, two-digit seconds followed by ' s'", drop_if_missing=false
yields 12 h 32 min
